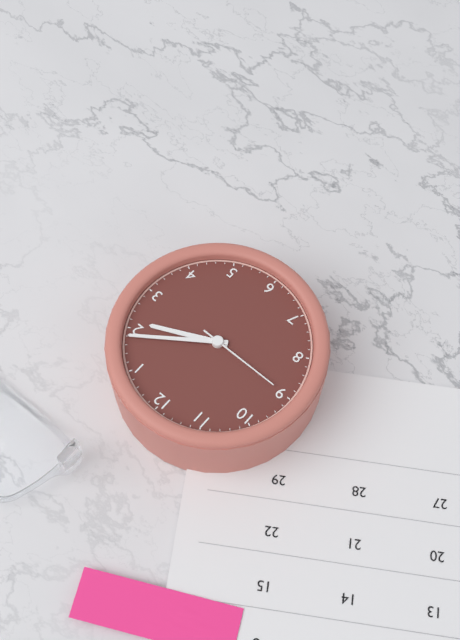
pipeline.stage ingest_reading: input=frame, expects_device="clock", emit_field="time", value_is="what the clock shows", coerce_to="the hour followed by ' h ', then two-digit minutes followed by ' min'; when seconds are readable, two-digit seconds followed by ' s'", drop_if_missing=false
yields 2 h 09 min 45 s
